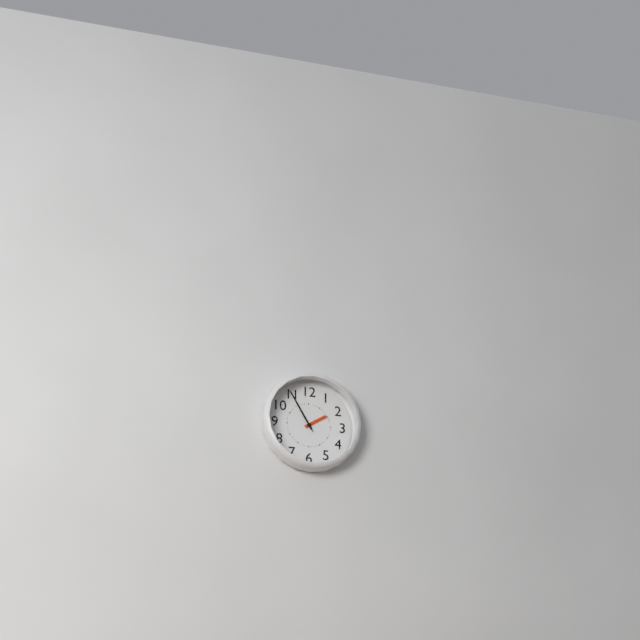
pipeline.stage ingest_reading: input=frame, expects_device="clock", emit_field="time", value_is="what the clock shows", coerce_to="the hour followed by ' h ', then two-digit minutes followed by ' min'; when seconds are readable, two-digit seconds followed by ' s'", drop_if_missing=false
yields 1 h 55 min
